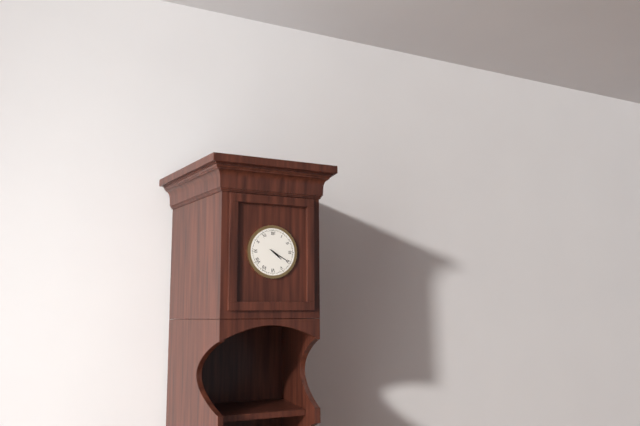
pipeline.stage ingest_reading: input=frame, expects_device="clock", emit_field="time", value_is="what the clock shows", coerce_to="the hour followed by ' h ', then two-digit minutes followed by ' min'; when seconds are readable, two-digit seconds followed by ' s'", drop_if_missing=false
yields 4 h 20 min
